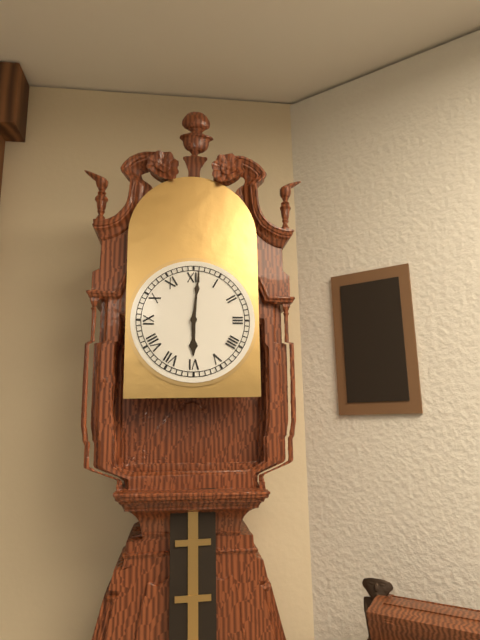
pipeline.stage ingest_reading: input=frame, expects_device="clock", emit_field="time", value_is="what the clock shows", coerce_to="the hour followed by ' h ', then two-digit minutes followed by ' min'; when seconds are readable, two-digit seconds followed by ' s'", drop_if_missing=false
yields 6 h 01 min
